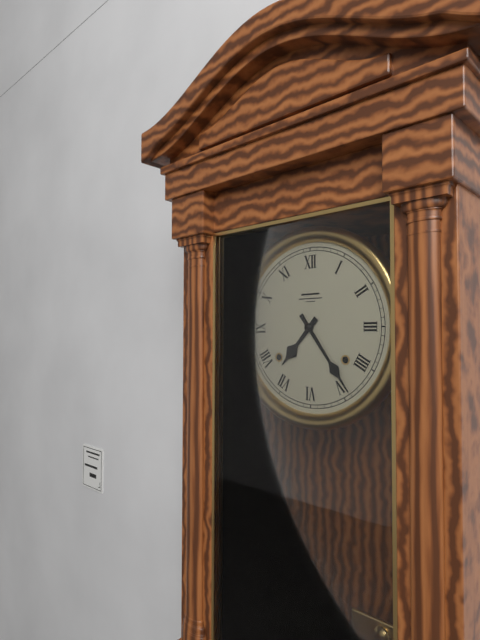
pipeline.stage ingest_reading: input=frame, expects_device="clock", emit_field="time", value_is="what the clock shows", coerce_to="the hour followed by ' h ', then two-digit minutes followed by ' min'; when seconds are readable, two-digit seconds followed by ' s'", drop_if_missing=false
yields 7 h 24 min
